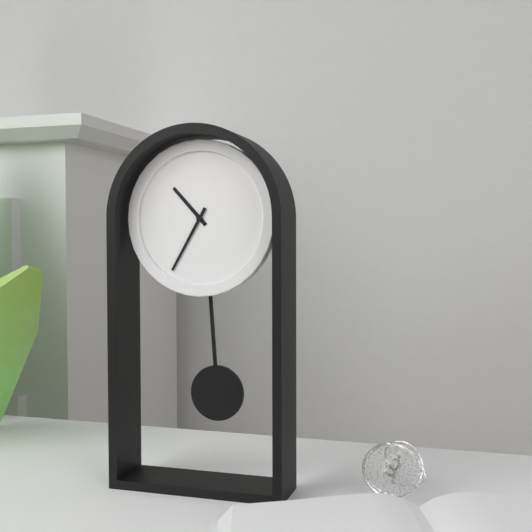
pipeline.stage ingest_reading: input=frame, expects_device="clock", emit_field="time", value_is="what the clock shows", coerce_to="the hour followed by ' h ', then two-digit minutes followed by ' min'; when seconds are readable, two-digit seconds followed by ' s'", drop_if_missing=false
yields 10 h 35 min
